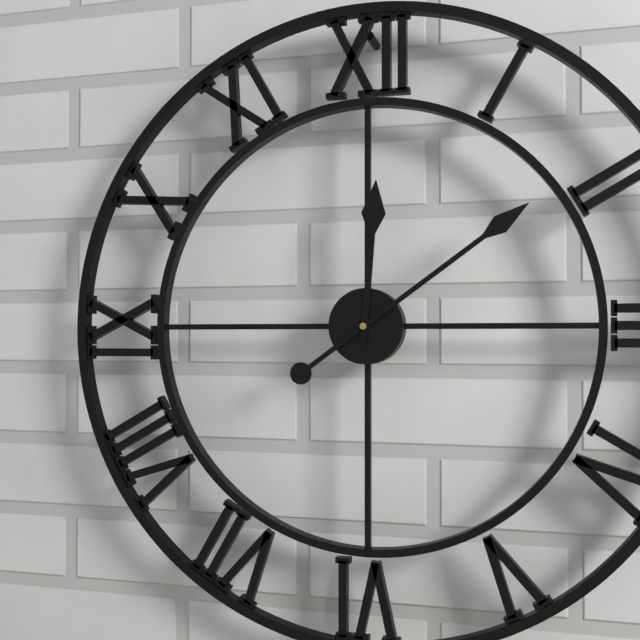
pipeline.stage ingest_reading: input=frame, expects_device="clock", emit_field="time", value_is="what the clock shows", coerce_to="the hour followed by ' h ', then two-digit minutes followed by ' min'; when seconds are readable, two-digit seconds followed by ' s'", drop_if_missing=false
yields 12 h 09 min
